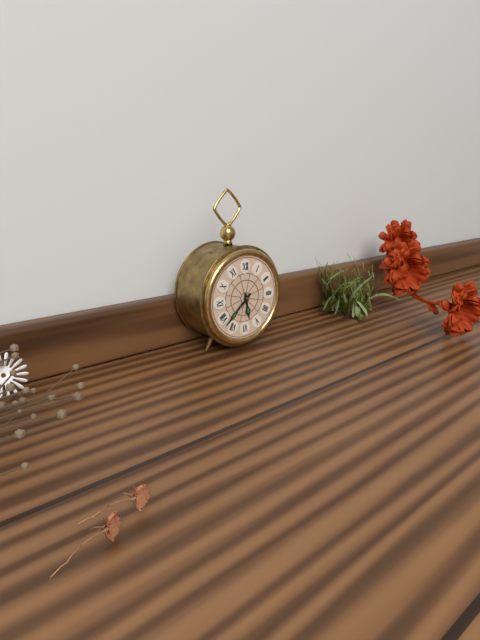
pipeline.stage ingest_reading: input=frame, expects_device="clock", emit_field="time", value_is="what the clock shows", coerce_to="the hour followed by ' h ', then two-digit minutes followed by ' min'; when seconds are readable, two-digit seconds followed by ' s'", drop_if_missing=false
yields 5 h 38 min
